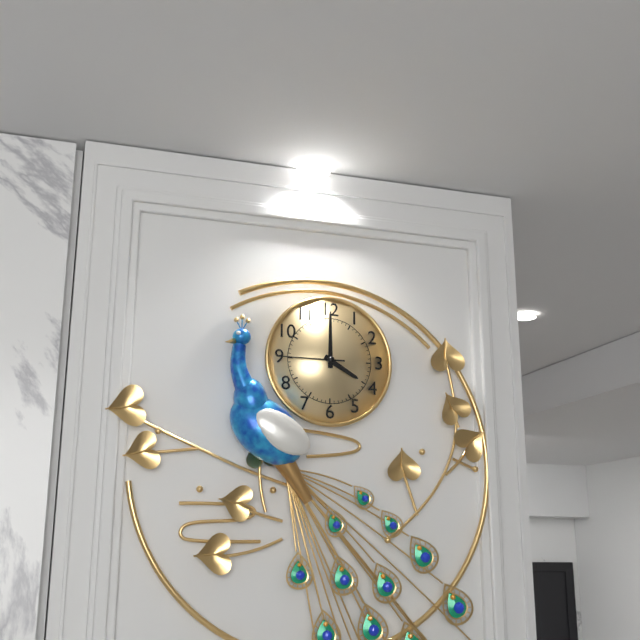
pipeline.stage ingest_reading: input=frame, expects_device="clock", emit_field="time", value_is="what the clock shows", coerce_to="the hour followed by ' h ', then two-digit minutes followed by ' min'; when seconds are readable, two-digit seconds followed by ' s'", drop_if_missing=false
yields 4 h 00 min 45 s
